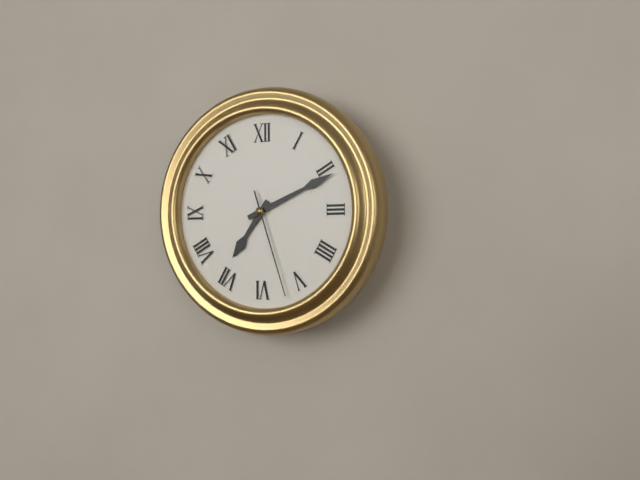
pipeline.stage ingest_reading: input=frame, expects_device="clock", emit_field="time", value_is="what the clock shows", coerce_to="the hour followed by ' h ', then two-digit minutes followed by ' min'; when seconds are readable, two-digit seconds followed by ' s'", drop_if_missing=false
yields 7 h 11 min 27 s
